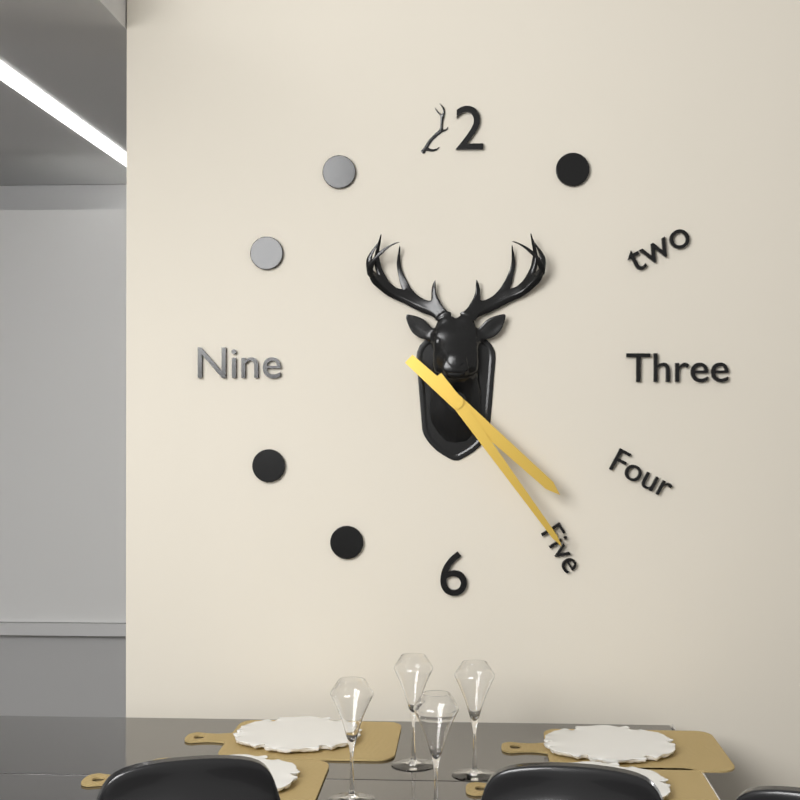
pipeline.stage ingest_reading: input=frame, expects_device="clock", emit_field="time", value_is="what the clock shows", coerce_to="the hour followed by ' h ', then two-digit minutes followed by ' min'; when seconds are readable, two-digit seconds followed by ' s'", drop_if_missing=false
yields 4 h 24 min
